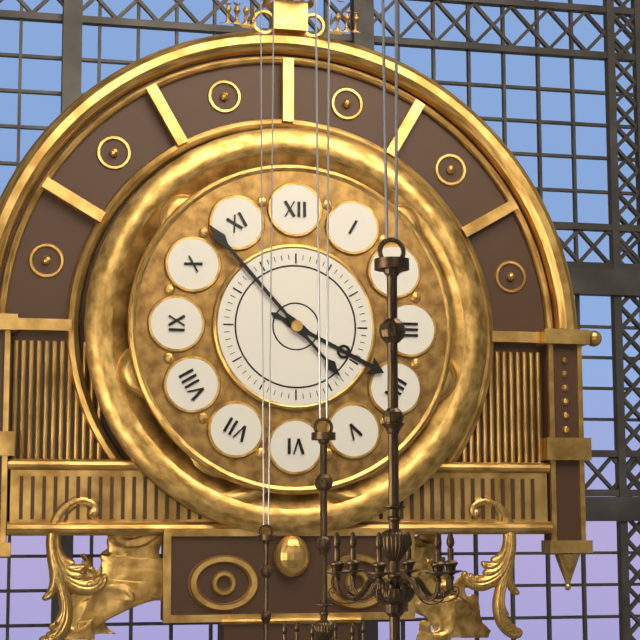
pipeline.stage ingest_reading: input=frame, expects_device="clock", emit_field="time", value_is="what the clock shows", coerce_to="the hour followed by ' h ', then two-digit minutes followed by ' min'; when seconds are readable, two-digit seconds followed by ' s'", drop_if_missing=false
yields 3 h 53 min
